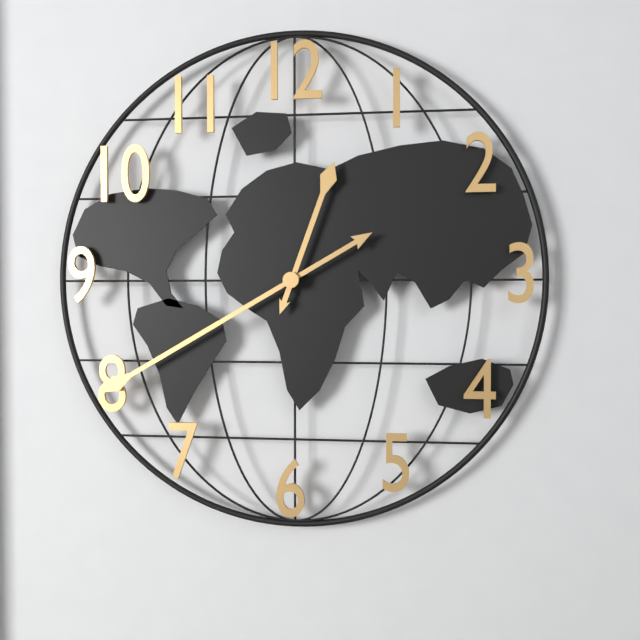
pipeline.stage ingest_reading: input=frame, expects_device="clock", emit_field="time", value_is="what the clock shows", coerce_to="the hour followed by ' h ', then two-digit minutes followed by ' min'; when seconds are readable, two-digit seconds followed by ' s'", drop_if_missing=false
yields 12 h 40 min
